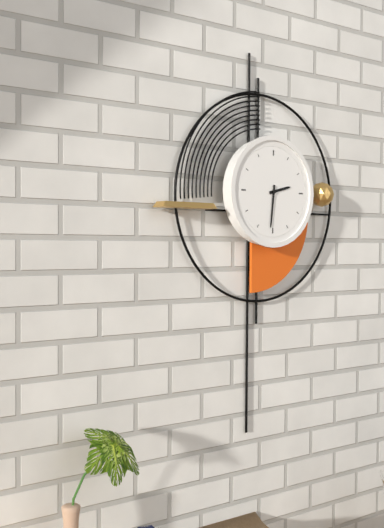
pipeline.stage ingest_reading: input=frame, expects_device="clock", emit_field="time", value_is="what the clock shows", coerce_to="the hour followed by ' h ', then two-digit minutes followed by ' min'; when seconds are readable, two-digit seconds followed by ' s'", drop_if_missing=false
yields 2 h 31 min
